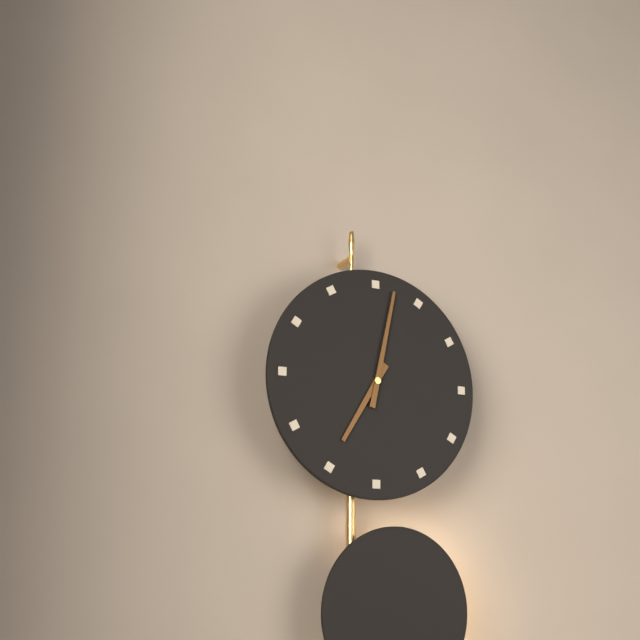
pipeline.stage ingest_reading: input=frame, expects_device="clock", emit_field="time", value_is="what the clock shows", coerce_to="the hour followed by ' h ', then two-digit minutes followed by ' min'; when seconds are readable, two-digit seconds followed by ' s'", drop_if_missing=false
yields 7 h 02 min
